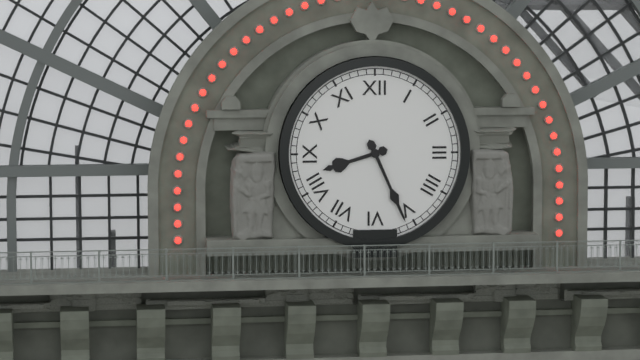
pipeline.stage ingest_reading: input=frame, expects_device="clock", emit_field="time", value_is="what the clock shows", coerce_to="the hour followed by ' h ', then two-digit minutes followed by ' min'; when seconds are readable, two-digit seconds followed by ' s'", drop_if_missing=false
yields 8 h 26 min
